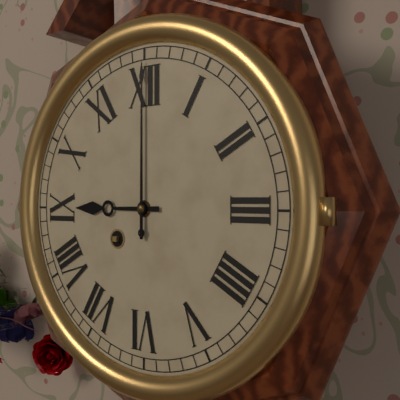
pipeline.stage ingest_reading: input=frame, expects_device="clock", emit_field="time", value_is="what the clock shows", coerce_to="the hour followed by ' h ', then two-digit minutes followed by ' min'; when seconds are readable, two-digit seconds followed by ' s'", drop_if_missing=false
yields 9 h 00 min
